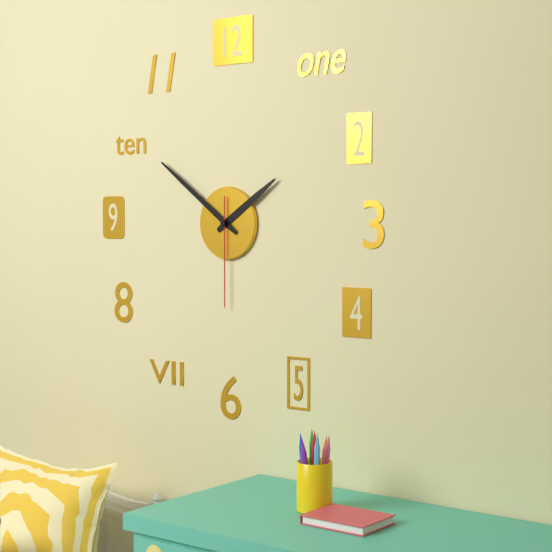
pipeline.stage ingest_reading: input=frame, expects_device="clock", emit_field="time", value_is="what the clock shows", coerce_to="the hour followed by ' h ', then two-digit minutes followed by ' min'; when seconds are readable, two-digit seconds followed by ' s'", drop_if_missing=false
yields 1 h 51 min 30 s
